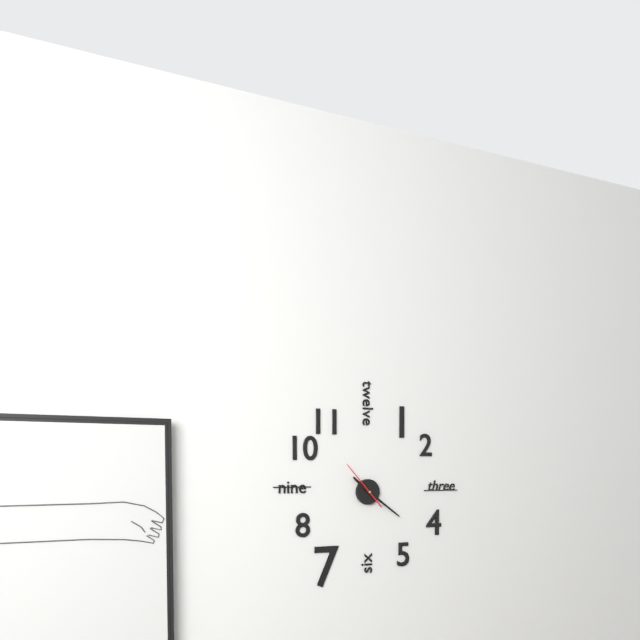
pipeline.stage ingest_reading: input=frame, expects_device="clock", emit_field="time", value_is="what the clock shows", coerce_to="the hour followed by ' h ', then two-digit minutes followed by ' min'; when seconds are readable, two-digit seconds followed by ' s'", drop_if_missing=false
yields 10 h 21 min
